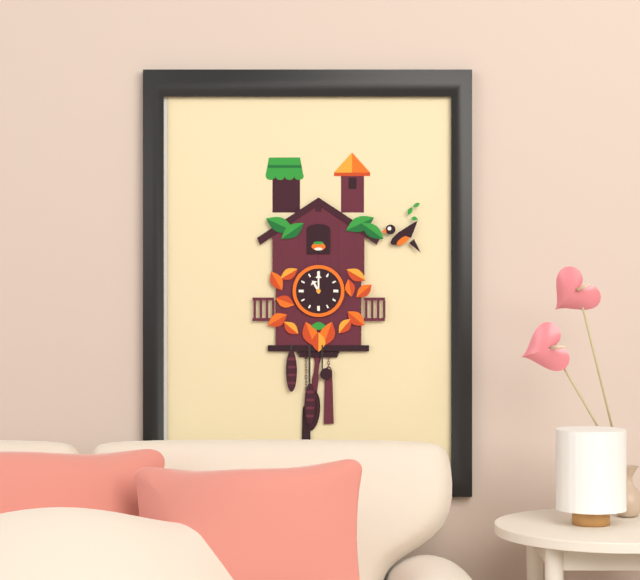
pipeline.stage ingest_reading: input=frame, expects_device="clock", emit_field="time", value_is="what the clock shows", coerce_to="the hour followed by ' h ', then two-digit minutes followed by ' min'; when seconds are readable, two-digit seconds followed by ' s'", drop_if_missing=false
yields 11 h 00 min
